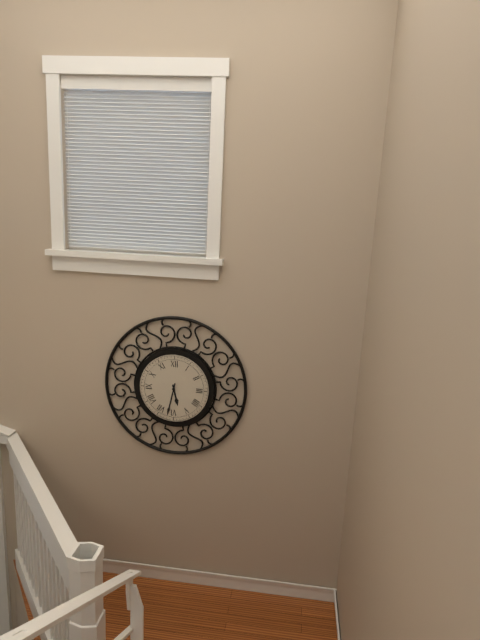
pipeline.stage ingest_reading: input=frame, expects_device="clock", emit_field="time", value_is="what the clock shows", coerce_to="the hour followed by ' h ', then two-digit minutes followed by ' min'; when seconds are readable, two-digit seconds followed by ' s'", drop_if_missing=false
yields 5 h 32 min
